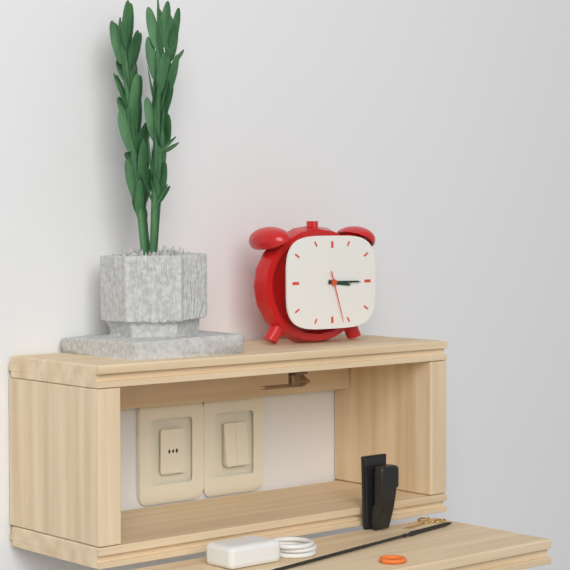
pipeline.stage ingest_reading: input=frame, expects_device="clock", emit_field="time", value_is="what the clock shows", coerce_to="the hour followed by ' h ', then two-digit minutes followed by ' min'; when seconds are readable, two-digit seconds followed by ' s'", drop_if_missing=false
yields 3 h 15 min 27 s
